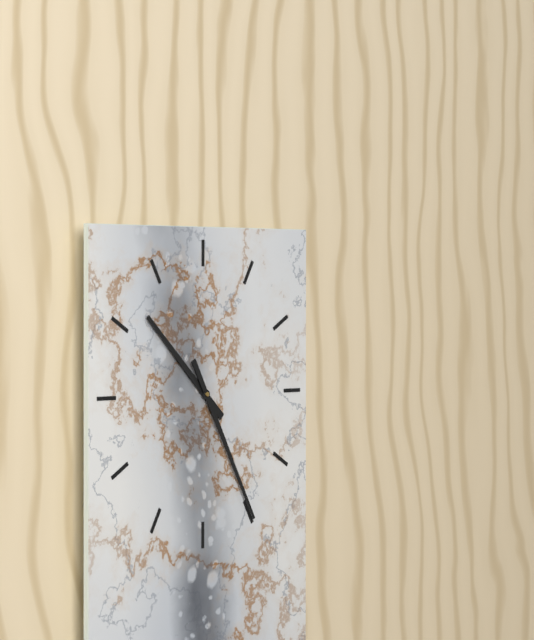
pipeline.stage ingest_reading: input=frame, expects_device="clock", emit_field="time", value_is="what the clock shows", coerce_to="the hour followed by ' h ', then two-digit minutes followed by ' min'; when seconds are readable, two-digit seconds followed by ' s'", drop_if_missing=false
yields 10 h 25 min
